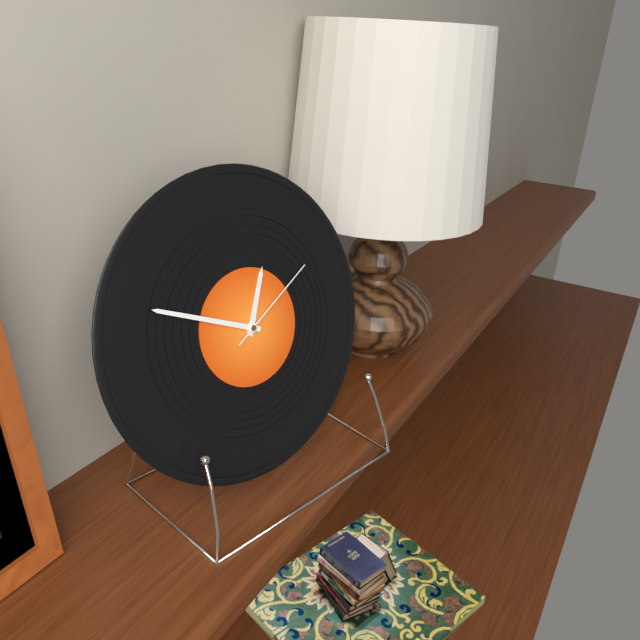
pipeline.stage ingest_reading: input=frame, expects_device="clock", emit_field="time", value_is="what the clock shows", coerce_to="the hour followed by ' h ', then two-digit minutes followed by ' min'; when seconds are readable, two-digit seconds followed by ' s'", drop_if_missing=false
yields 12 h 49 min 10 s
